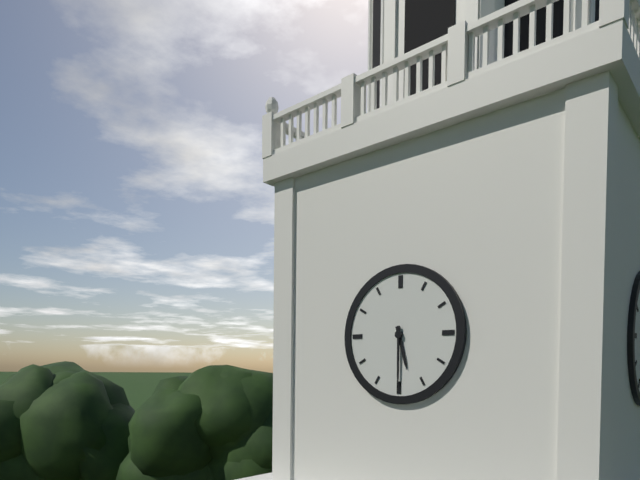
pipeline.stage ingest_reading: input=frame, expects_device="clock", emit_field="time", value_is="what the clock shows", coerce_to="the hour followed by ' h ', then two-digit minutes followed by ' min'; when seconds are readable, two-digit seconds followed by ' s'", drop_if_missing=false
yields 5 h 30 min
